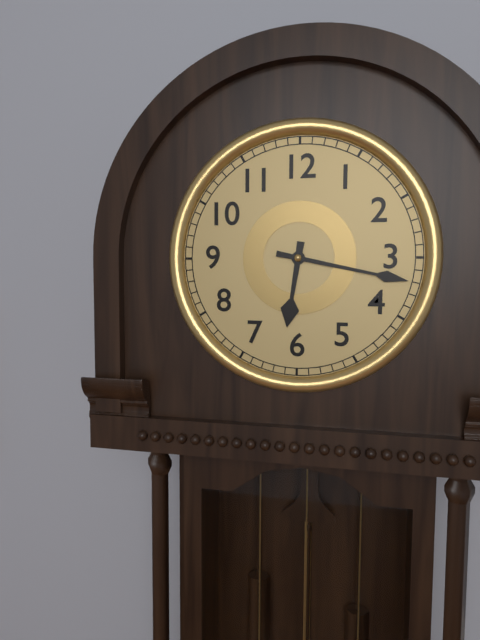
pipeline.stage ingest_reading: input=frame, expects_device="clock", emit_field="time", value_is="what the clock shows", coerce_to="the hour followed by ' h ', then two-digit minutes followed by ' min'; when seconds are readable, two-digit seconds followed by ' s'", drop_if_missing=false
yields 6 h 17 min
